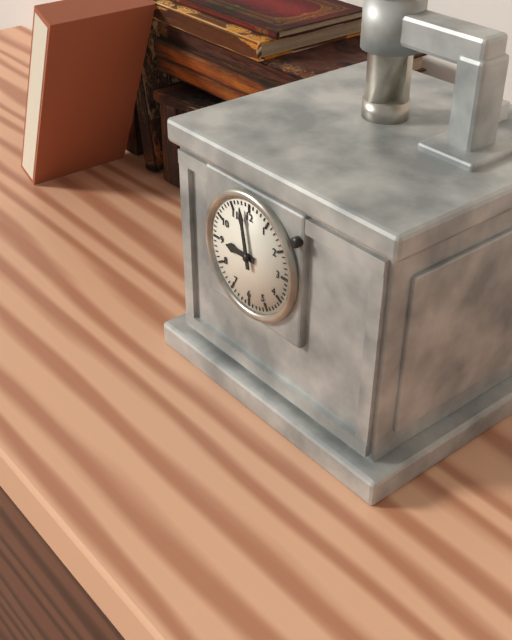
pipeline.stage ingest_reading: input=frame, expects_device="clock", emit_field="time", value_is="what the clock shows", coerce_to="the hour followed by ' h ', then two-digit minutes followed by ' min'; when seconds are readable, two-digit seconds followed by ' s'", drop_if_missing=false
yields 8 h 58 min
